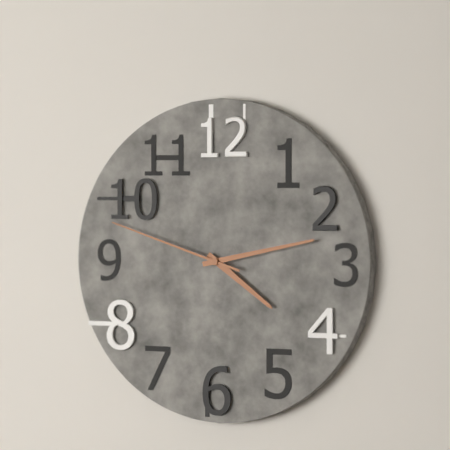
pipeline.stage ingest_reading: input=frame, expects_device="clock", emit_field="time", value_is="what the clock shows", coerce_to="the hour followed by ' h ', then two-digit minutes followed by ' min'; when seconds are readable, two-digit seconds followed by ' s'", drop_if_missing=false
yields 4 h 13 min 48 s
